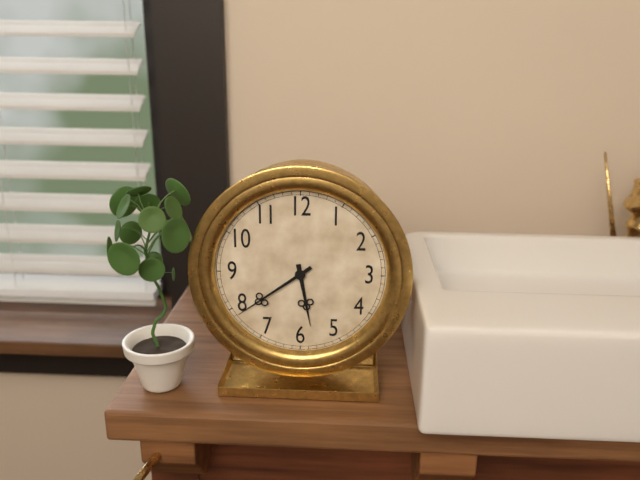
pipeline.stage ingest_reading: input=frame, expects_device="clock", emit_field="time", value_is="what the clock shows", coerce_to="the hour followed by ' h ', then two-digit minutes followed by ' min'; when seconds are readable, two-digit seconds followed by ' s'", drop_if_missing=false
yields 5 h 39 min
